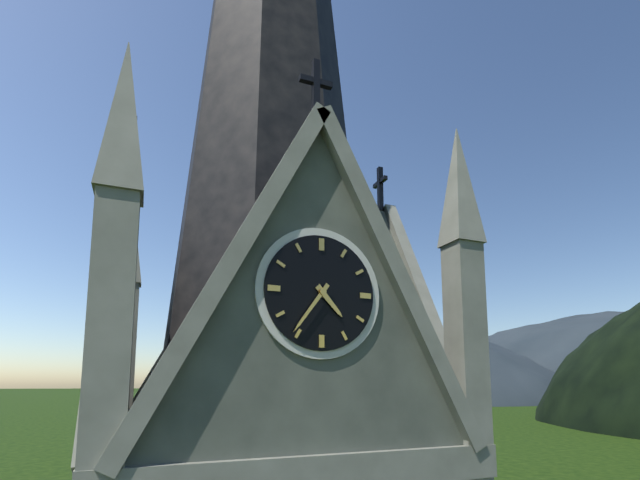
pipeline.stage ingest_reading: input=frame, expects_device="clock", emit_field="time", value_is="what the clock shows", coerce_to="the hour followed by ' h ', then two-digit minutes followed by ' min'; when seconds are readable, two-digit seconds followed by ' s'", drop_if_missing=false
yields 4 h 36 min
